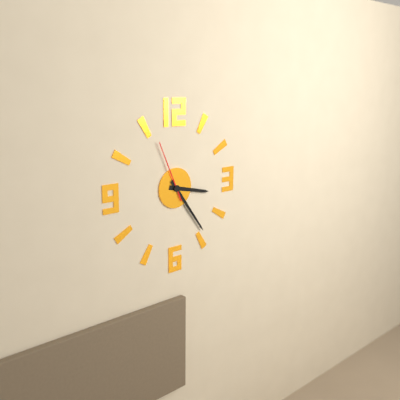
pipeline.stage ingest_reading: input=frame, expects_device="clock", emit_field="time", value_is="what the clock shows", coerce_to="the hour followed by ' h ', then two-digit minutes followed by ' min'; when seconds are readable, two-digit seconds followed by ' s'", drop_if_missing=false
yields 3 h 24 min 56 s
